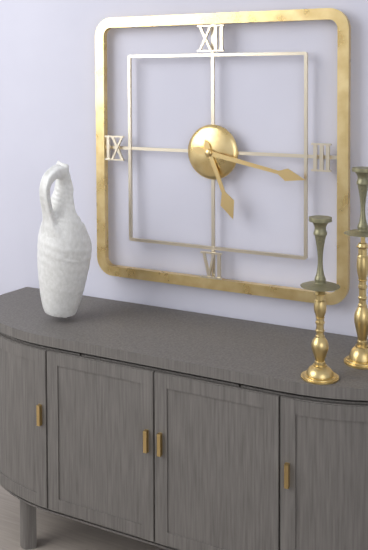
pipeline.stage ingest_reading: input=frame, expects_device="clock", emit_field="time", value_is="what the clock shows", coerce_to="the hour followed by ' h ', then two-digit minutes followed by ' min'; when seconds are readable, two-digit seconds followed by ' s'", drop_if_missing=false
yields 5 h 17 min
